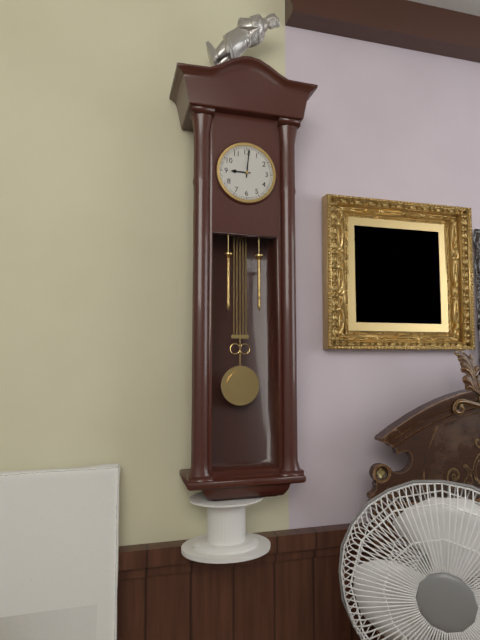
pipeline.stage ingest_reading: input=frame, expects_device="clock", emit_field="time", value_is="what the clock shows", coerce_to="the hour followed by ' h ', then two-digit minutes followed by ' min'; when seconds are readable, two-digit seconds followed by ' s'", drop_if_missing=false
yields 9 h 01 min
